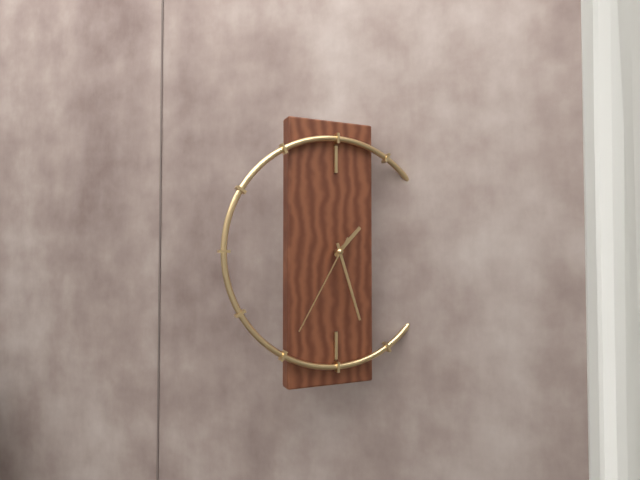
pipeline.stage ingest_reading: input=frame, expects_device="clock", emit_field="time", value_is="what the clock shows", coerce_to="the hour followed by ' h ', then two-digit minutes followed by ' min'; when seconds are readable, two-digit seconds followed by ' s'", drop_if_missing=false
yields 1 h 27 min 35 s
